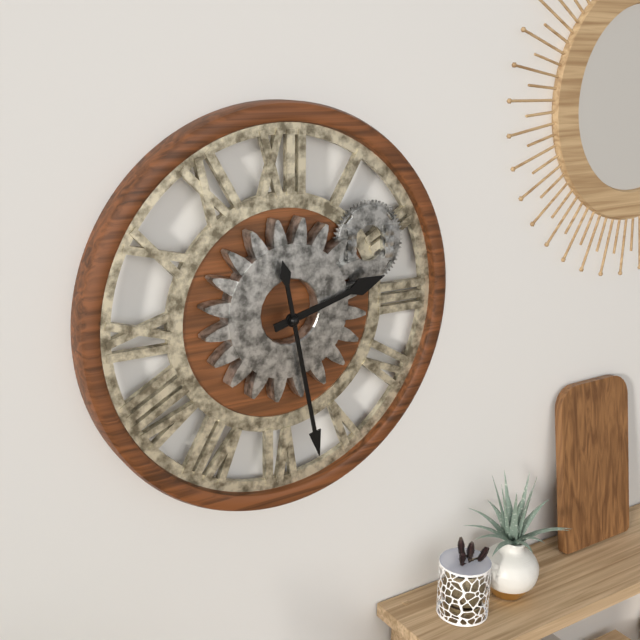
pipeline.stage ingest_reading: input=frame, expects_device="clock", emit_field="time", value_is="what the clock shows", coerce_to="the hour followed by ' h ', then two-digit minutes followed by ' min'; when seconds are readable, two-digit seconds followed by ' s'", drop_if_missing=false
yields 2 h 28 min
